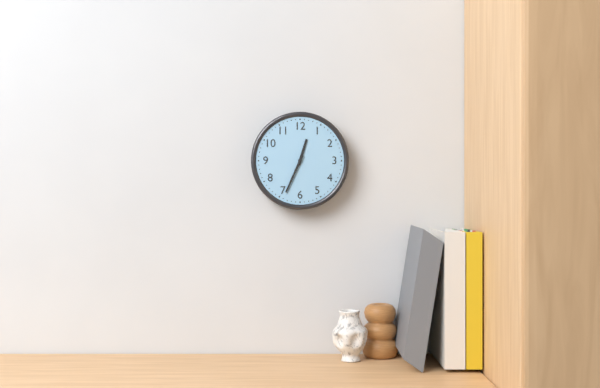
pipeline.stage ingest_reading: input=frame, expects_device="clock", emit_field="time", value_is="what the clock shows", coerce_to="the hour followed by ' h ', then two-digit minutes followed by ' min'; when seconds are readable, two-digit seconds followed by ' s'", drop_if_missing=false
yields 12 h 34 min
